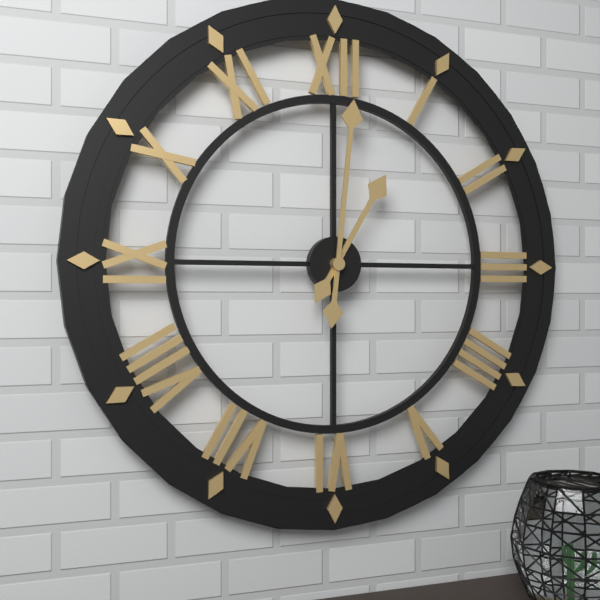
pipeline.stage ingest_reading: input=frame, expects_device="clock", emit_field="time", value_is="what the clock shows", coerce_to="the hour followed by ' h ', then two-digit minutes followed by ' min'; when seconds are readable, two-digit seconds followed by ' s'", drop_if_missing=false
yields 1 h 01 min
